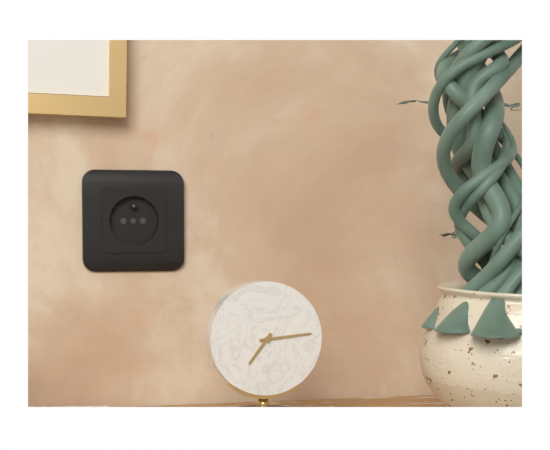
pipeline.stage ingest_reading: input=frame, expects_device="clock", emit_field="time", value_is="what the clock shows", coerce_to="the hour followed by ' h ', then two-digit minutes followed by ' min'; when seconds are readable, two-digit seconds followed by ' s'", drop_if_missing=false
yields 7 h 14 min
